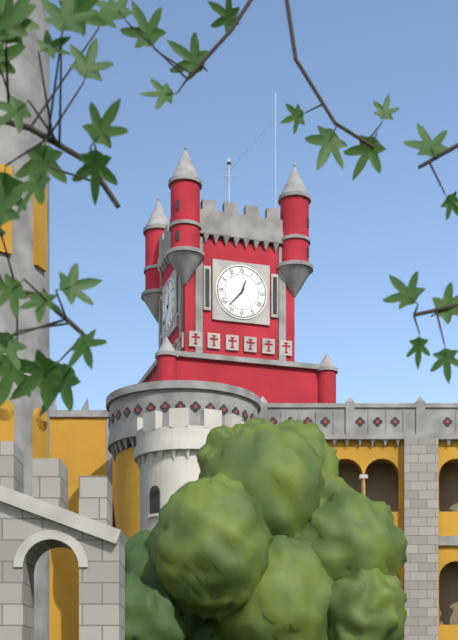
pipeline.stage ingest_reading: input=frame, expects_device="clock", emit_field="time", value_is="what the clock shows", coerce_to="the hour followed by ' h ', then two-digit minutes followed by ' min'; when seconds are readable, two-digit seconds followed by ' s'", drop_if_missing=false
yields 12 h 37 min
